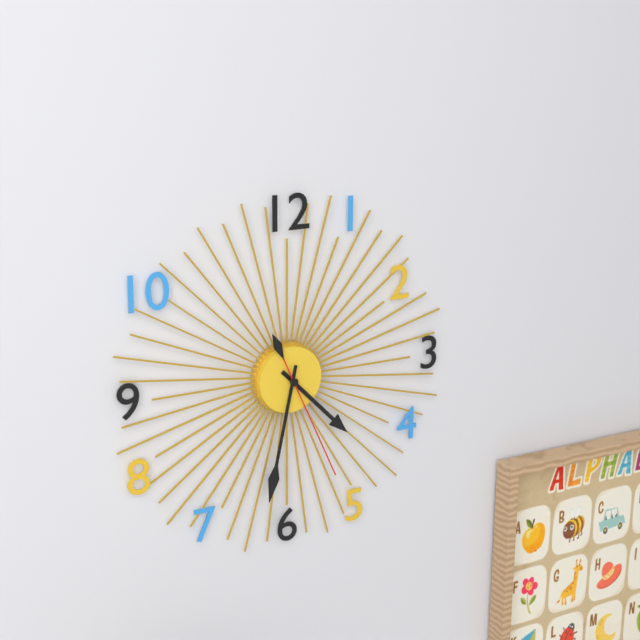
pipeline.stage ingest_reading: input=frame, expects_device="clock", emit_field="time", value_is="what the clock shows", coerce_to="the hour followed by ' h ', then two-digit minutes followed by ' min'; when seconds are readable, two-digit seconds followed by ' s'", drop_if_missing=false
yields 4 h 32 min 26 s
